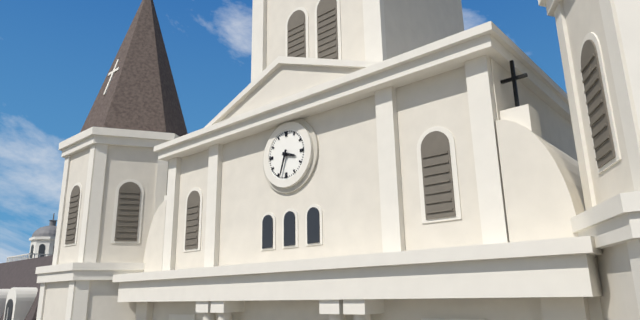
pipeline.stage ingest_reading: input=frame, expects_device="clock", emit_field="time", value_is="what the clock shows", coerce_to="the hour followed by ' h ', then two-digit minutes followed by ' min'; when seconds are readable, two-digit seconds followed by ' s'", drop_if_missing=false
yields 3 h 33 min
